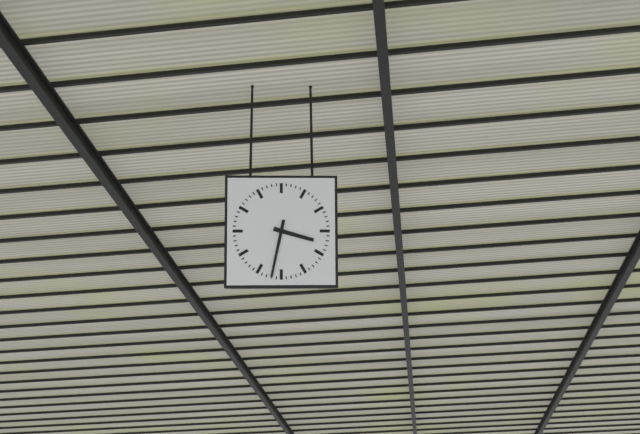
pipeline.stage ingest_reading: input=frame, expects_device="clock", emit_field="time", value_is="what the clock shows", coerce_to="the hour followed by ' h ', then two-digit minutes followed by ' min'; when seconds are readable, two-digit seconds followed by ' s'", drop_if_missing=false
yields 3 h 32 min
